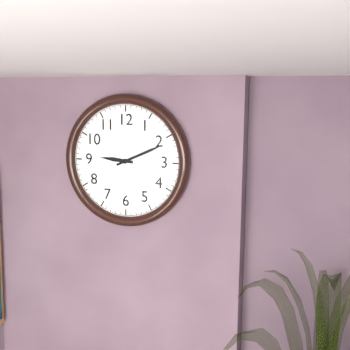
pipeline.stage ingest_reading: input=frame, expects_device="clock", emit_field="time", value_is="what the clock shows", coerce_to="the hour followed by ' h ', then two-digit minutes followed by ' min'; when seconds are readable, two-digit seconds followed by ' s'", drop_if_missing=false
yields 9 h 11 min
